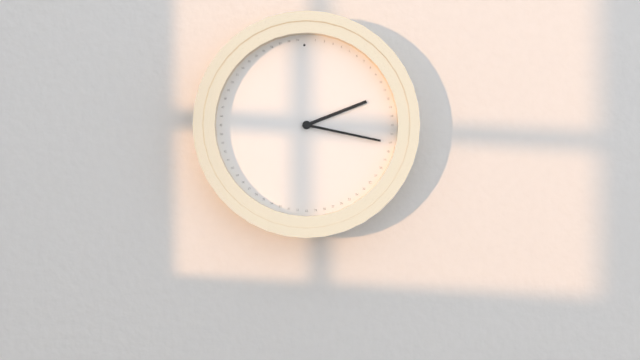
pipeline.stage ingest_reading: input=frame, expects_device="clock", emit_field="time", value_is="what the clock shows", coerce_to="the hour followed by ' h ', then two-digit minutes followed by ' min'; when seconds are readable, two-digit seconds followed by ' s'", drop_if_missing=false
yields 2 h 17 min
